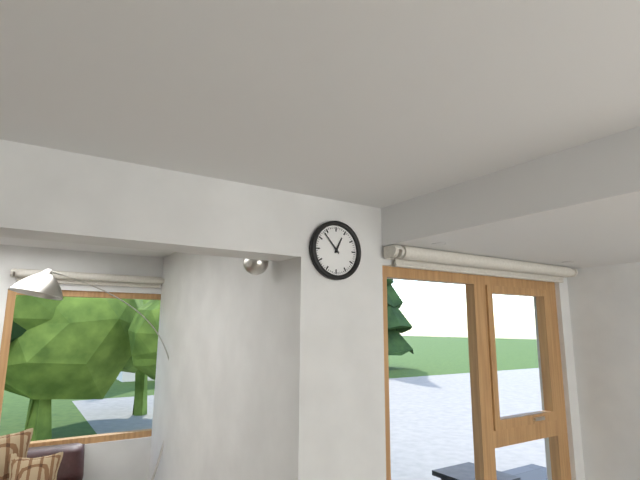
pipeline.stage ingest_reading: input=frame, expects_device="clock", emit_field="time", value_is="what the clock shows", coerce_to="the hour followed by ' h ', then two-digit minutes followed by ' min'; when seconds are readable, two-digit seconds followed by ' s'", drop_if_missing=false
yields 12 h 53 min
